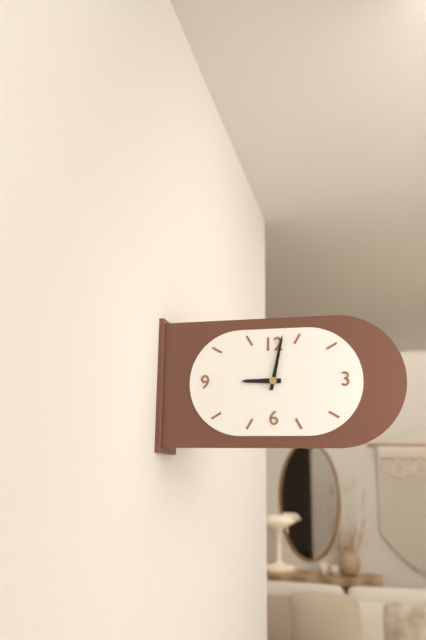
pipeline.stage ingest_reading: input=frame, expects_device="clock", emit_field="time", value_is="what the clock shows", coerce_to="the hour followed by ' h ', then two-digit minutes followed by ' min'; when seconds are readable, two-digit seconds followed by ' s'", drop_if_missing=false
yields 9 h 02 min
